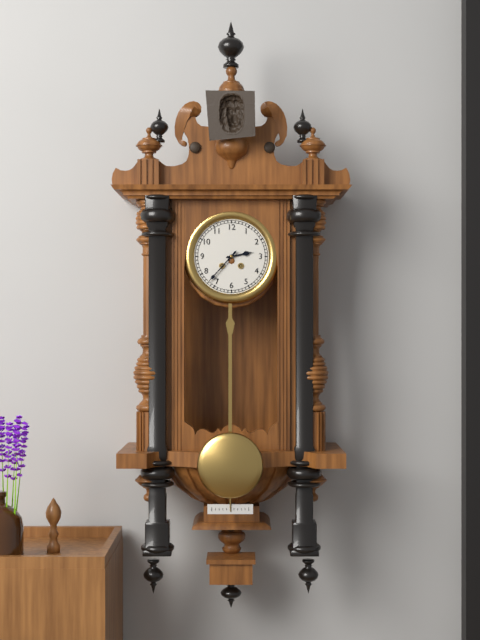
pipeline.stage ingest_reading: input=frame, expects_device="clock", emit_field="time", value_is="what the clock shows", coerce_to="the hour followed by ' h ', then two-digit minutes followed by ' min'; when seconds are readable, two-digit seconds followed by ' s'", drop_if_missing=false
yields 2 h 37 min
